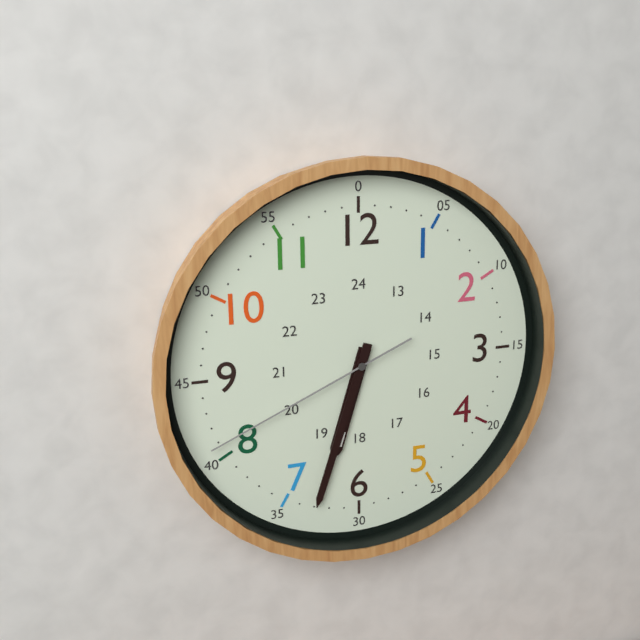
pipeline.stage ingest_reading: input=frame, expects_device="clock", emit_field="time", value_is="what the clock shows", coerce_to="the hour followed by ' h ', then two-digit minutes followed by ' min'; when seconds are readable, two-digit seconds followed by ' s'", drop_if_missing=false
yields 6 h 33 min 41 s
